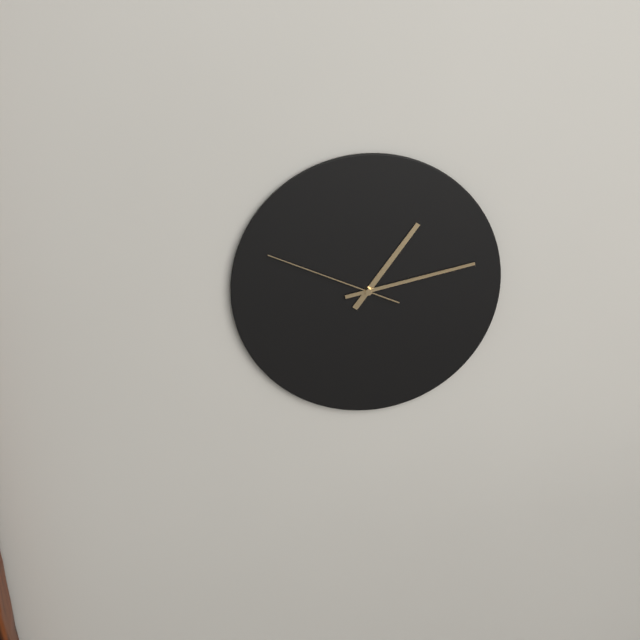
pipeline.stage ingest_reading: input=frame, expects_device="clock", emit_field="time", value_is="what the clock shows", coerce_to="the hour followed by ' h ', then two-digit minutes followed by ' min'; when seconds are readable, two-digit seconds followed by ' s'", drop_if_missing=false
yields 1 h 13 min 49 s
